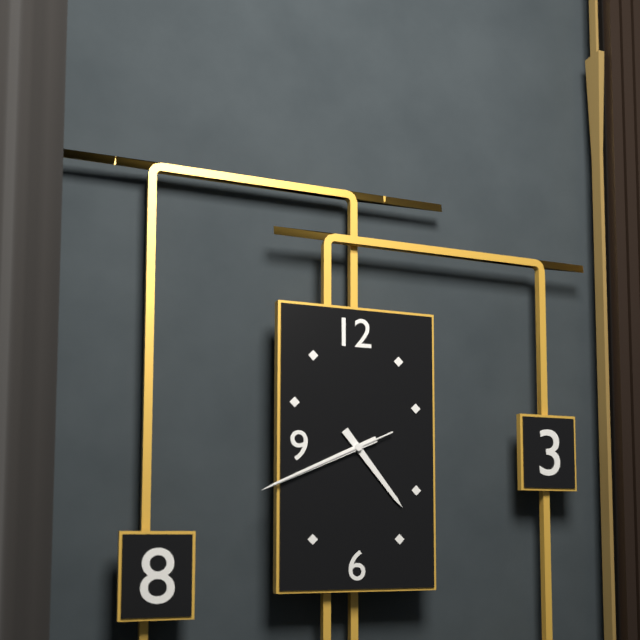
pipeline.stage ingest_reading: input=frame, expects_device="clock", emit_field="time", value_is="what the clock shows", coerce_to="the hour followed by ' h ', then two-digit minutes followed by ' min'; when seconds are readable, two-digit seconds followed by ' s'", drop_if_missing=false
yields 4 h 41 min 41 s
